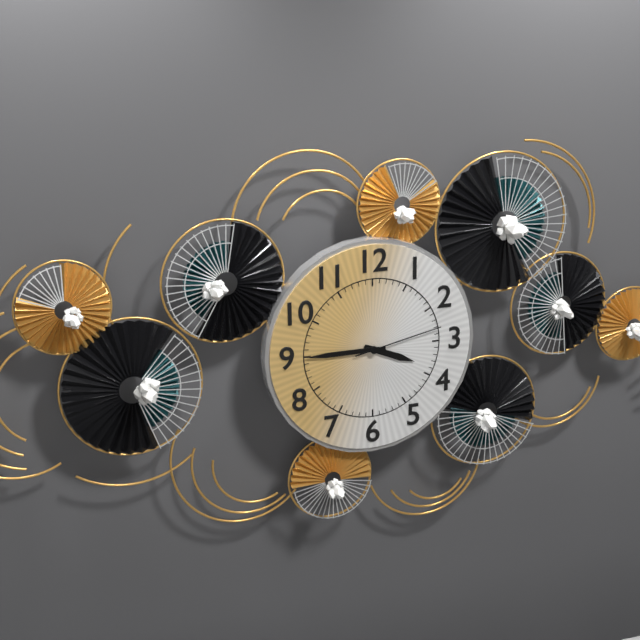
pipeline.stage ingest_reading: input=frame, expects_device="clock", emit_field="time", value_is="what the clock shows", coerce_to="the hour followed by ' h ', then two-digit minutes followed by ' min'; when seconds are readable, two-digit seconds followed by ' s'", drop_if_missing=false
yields 3 h 45 min 13 s
